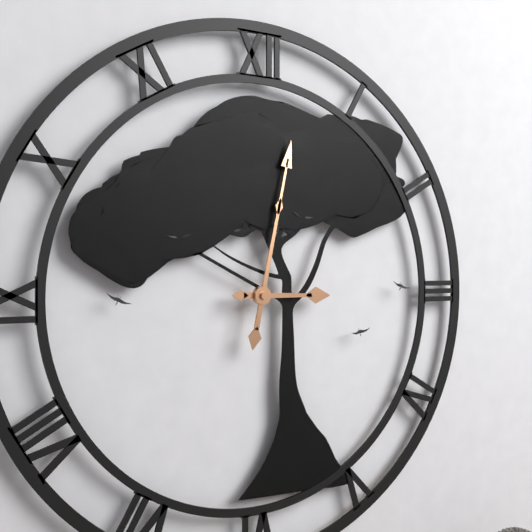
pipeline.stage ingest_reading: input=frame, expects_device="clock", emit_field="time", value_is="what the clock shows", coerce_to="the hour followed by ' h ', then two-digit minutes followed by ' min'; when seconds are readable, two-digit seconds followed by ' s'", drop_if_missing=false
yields 3 h 02 min
